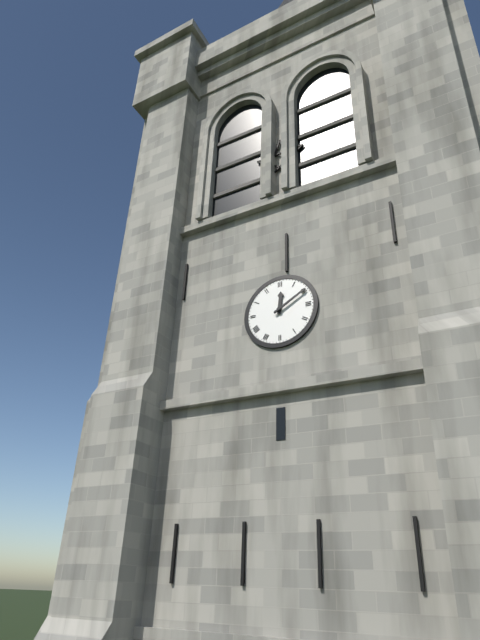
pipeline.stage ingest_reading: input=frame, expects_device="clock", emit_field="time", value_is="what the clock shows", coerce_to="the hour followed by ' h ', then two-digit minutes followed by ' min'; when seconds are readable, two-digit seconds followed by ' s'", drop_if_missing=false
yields 12 h 10 min
